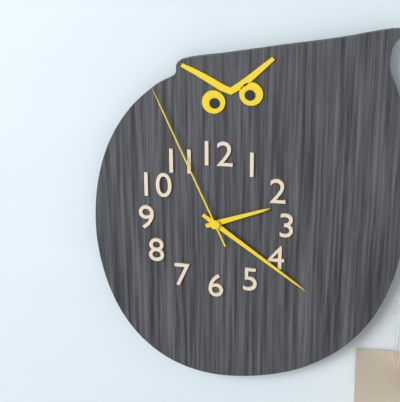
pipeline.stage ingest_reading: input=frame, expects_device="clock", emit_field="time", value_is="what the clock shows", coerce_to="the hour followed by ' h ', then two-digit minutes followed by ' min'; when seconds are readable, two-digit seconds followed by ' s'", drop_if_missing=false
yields 2 h 21 min 56 s
